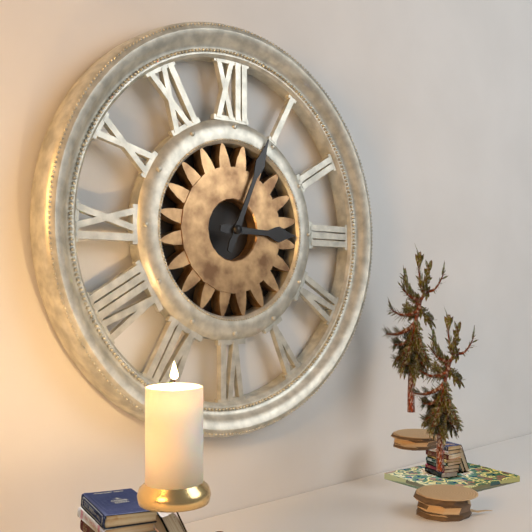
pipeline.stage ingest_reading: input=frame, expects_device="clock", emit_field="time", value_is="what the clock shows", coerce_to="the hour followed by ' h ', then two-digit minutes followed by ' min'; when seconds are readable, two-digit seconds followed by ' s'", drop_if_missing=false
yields 3 h 04 min
